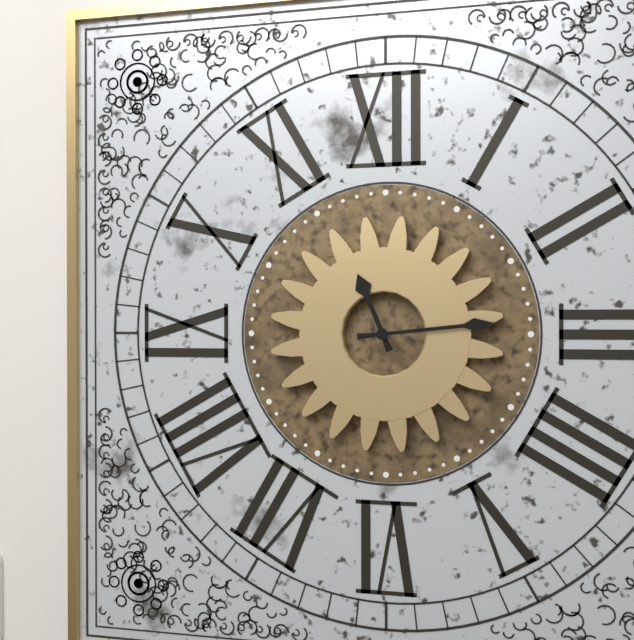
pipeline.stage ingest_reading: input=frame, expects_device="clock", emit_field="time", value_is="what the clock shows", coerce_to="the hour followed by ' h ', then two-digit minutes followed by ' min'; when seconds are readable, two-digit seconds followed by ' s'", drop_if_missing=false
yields 11 h 14 min
